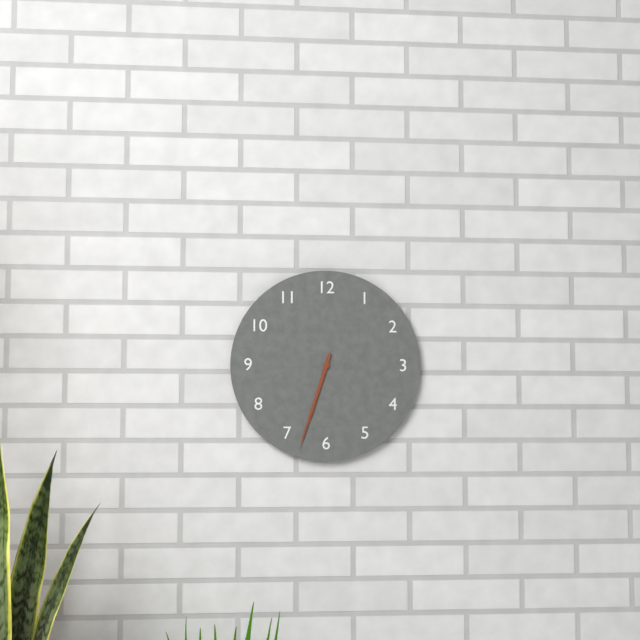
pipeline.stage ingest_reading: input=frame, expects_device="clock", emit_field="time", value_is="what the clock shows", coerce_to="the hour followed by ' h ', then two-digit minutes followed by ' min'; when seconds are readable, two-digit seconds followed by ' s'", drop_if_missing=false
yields 6 h 33 min
